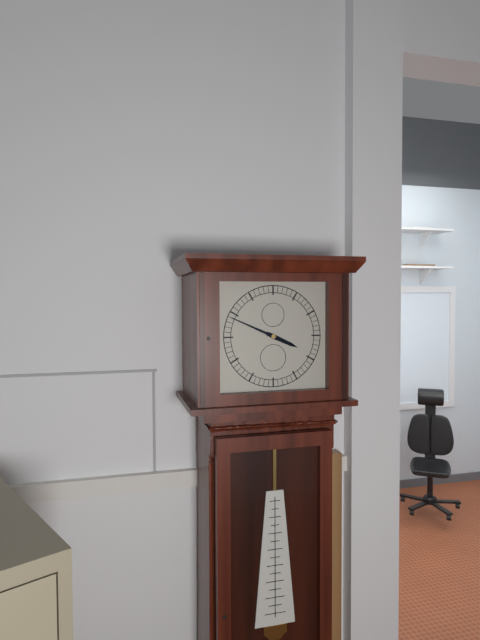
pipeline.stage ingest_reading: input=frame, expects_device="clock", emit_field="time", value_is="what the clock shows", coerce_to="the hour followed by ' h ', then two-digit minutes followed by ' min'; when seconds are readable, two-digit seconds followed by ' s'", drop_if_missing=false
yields 3 h 49 min
